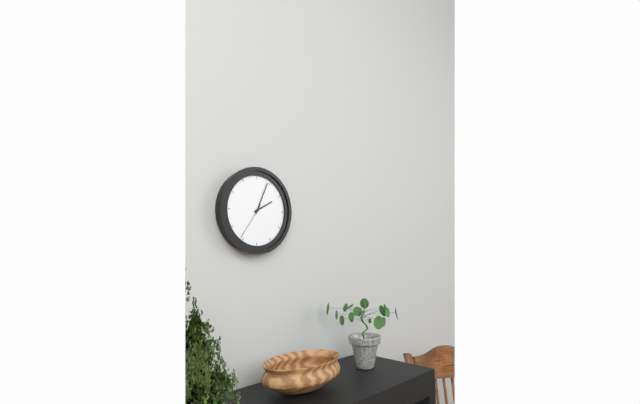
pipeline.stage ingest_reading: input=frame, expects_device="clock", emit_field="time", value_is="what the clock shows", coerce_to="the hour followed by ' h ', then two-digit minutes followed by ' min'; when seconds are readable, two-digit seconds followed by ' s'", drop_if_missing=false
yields 2 h 04 min
